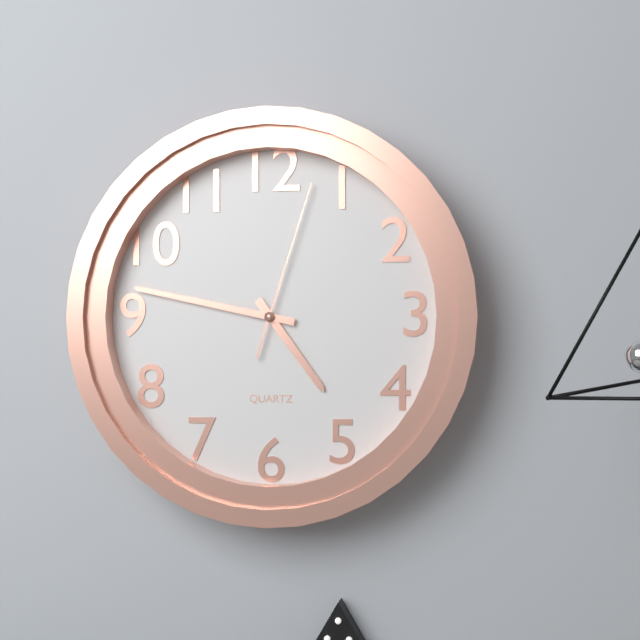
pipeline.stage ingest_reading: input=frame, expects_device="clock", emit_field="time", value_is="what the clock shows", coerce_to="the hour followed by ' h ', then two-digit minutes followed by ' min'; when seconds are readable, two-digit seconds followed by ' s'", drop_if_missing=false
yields 4 h 47 min 03 s
